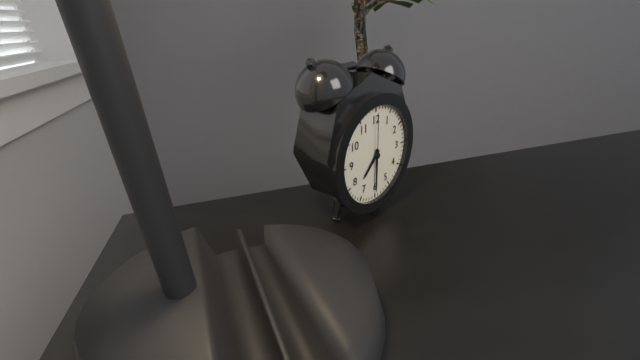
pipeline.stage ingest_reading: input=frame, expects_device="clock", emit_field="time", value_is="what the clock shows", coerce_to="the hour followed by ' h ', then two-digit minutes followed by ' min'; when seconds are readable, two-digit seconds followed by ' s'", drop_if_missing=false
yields 7 h 30 min 00 s
